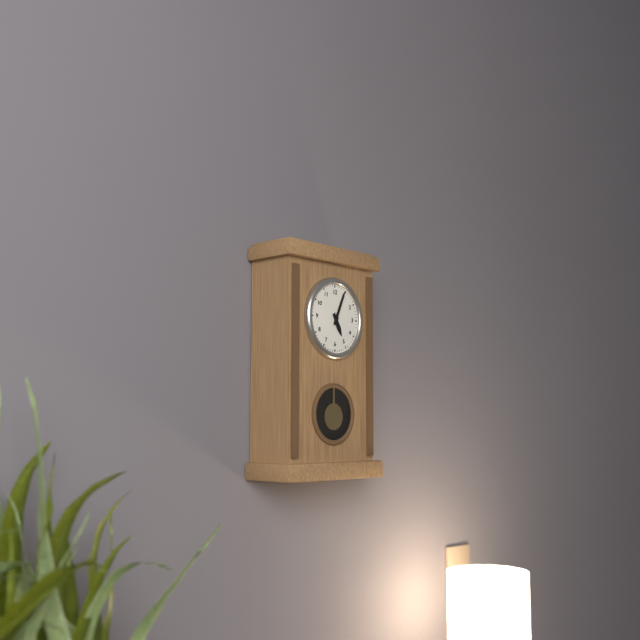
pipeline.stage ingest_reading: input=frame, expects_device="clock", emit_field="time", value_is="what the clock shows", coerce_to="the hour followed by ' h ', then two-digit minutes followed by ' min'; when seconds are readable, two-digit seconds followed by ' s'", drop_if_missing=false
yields 5 h 04 min
